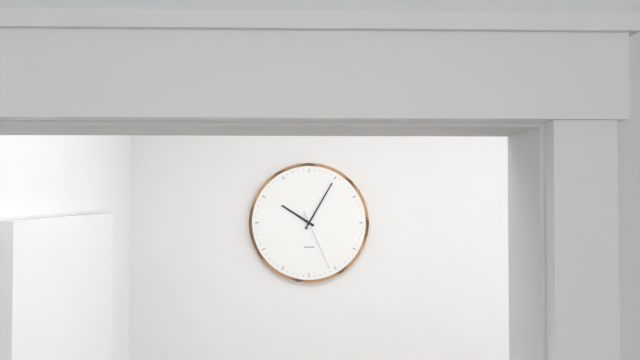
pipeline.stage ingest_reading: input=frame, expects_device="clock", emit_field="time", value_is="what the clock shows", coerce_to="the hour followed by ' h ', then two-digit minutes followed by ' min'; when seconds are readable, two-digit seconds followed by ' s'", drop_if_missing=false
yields 10 h 05 min 26 s
